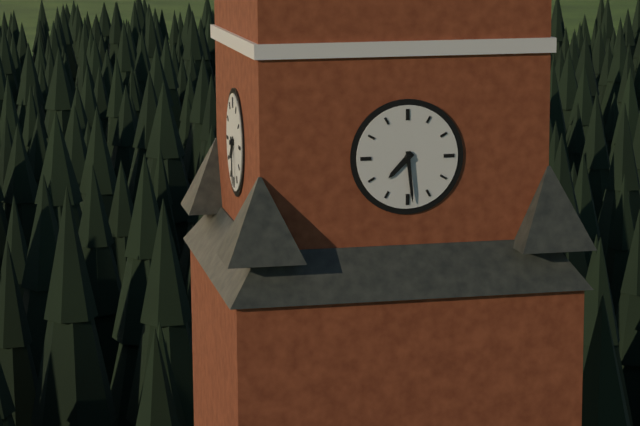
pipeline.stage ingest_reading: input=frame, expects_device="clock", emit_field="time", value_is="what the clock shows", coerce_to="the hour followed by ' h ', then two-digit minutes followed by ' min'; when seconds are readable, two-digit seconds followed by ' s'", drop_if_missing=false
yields 7 h 29 min
